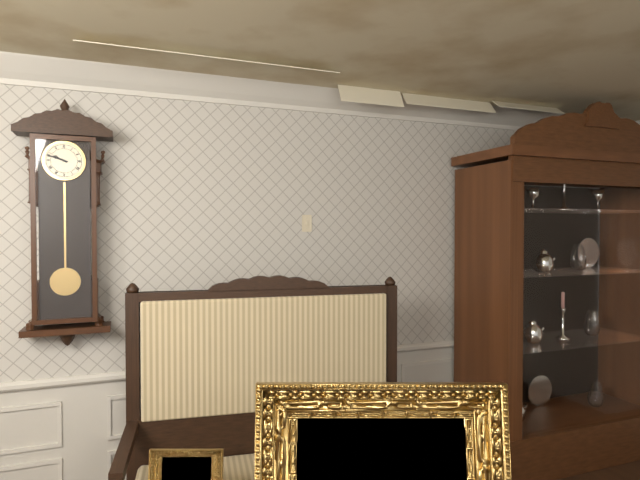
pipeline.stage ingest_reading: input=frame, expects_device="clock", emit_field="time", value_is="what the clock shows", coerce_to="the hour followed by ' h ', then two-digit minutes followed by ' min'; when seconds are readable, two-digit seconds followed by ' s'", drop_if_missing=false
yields 9 h 48 min
